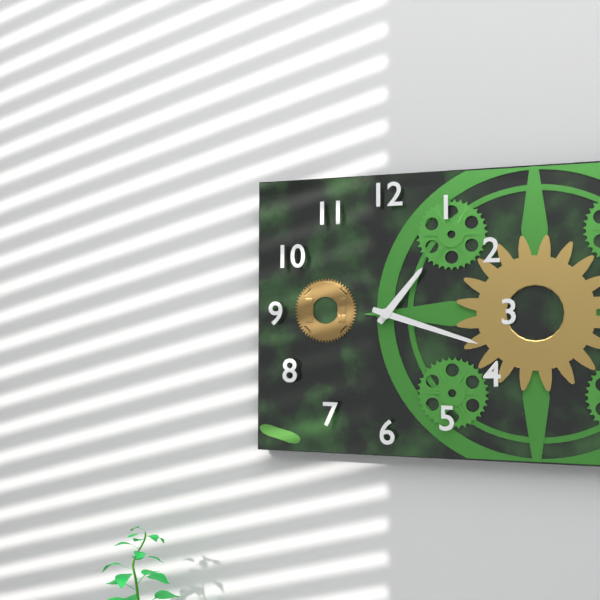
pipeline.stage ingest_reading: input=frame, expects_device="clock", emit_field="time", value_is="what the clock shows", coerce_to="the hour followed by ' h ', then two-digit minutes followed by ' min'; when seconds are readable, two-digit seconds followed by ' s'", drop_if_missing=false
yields 1 h 18 min
